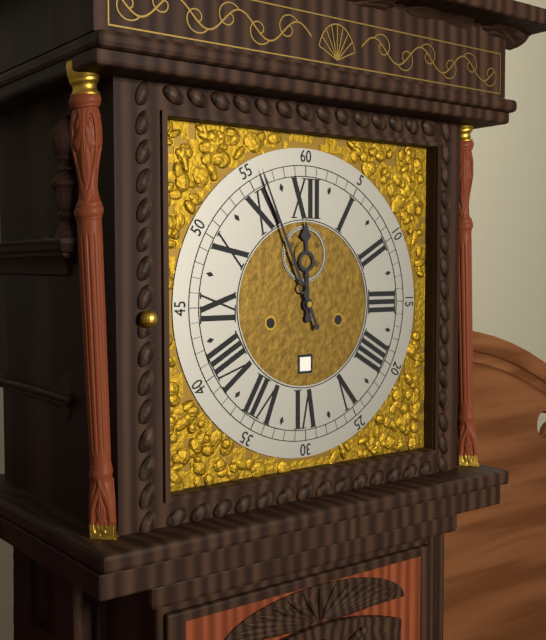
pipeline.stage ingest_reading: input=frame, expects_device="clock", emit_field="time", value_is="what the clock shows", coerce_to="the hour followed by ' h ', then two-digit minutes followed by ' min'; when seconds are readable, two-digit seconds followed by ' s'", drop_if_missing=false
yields 11 h 56 min
